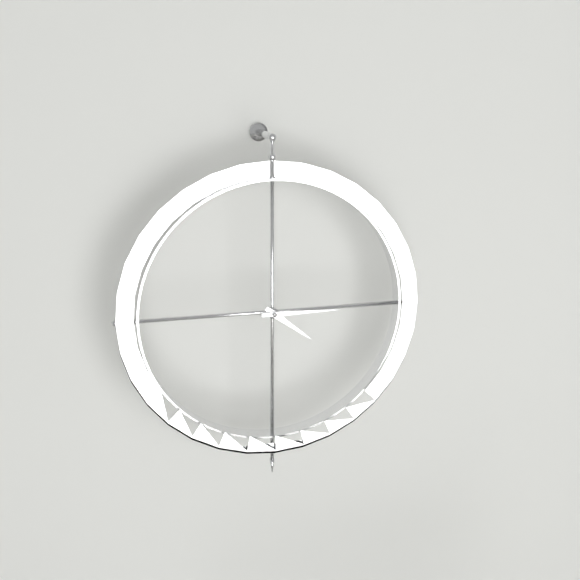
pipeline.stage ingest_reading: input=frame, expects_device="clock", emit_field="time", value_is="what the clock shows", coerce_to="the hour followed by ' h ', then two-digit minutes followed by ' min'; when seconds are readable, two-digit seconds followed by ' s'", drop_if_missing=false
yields 4 h 15 min
